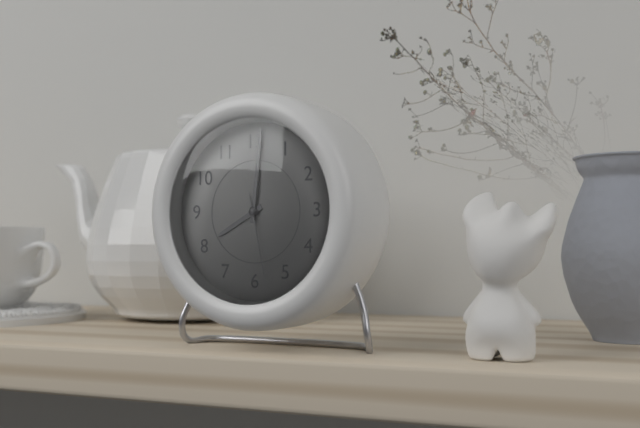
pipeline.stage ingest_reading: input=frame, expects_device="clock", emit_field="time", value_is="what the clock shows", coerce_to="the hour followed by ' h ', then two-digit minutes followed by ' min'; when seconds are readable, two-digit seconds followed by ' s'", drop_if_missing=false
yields 8 h 01 min 28 s
